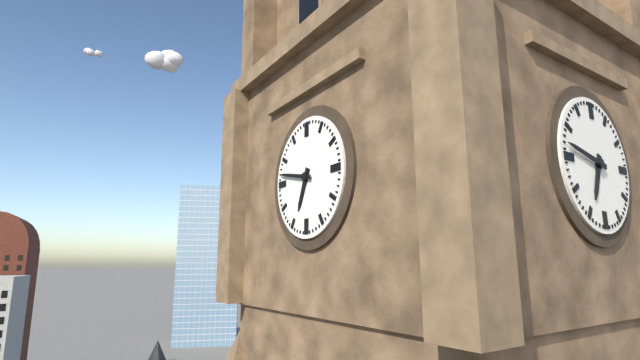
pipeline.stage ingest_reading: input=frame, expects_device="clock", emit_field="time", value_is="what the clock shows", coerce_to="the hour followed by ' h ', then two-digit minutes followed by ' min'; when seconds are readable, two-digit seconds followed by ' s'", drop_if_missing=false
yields 6 h 47 min
